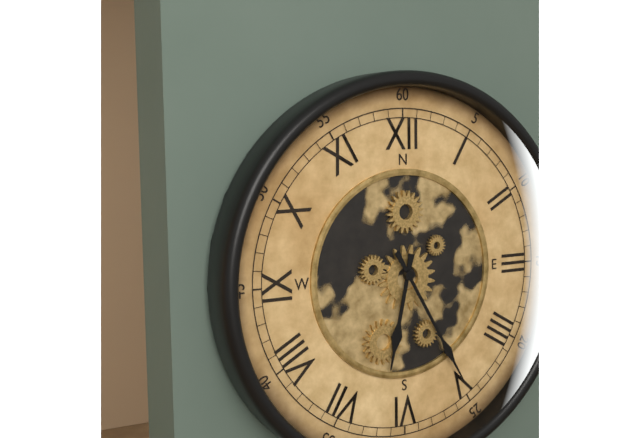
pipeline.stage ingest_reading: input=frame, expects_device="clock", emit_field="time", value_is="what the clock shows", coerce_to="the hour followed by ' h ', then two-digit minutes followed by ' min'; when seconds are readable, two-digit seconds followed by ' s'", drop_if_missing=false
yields 6 h 25 min
